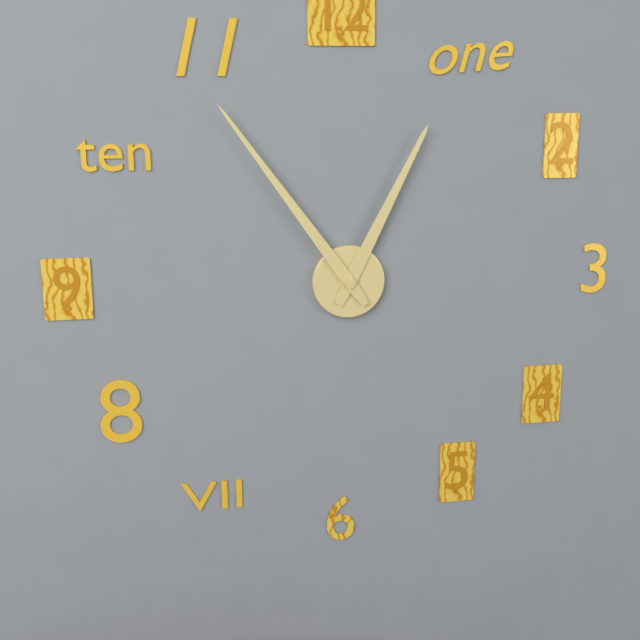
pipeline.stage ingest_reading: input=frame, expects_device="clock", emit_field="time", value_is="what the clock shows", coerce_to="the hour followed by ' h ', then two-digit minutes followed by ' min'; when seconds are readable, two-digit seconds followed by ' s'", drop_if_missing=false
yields 12 h 54 min
